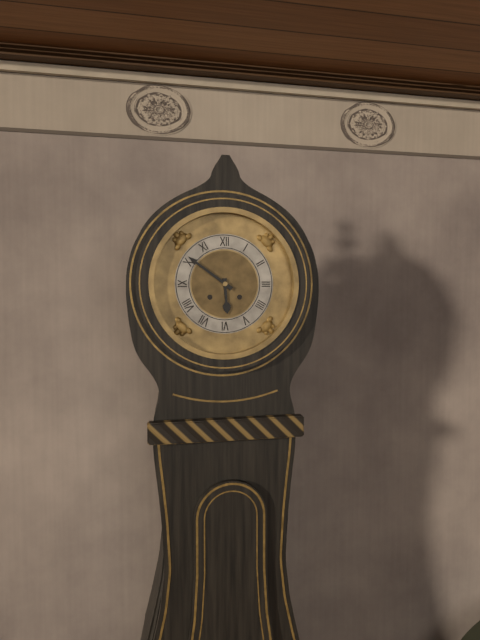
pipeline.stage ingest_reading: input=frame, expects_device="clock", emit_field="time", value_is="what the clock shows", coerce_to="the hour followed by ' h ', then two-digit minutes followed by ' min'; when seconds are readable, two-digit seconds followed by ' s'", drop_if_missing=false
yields 5 h 51 min
